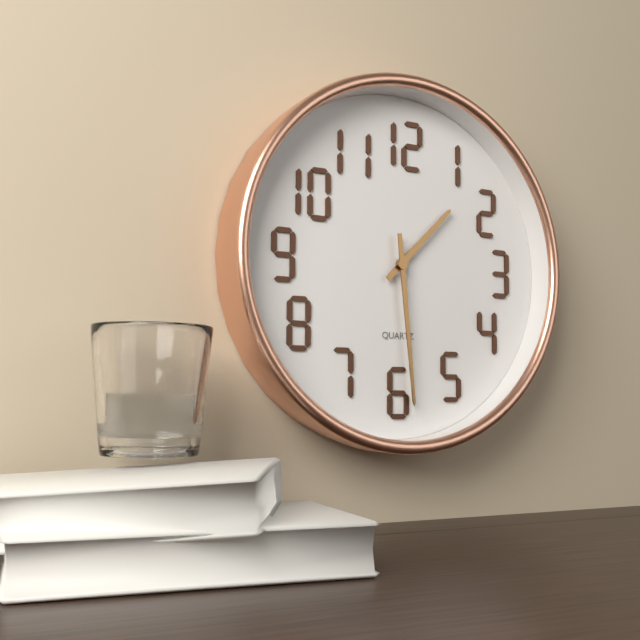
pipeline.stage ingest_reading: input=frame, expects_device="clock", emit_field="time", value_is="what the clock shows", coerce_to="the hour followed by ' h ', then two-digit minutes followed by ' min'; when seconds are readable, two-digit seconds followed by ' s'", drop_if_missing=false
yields 1 h 29 min
